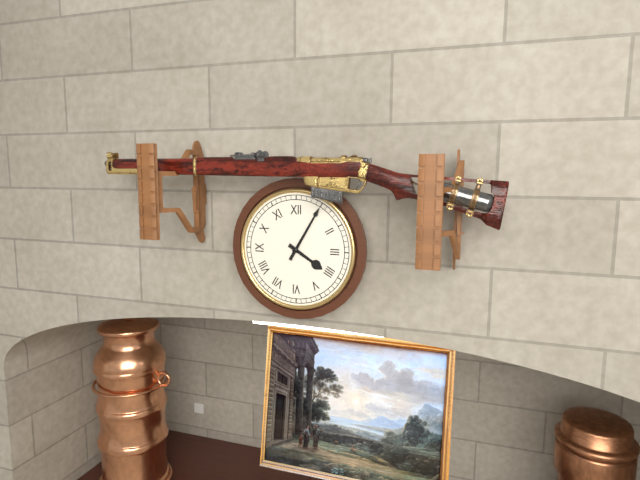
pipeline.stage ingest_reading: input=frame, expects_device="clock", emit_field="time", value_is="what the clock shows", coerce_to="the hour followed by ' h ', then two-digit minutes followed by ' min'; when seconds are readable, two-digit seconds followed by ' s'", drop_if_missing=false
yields 4 h 05 min
